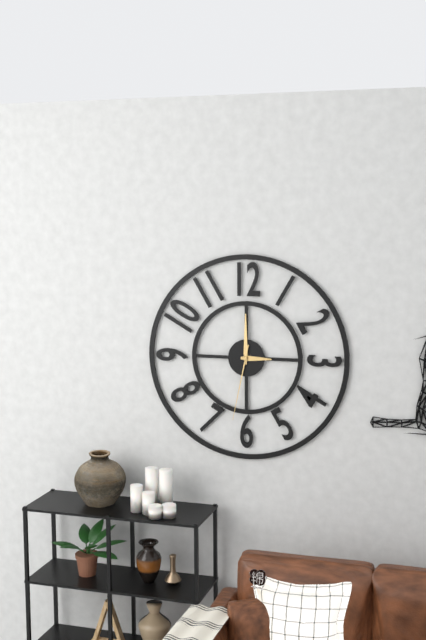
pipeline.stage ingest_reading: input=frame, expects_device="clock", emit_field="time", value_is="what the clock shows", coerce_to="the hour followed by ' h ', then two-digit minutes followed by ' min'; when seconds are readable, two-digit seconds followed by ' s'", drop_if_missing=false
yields 3 h 00 min 32 s
